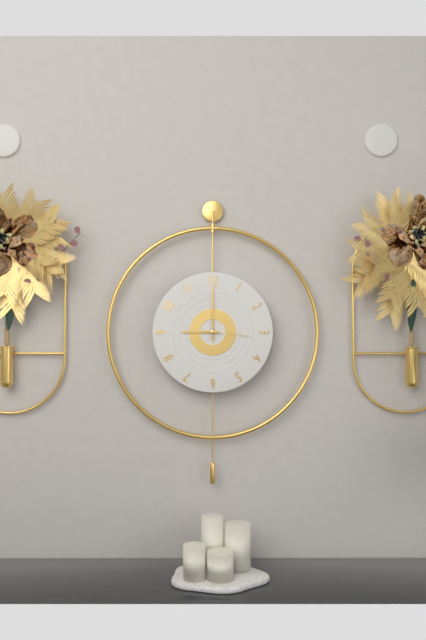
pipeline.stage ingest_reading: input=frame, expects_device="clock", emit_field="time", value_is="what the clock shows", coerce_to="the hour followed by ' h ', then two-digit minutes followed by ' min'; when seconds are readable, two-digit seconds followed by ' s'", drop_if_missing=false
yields 9 h 00 min 16 s
